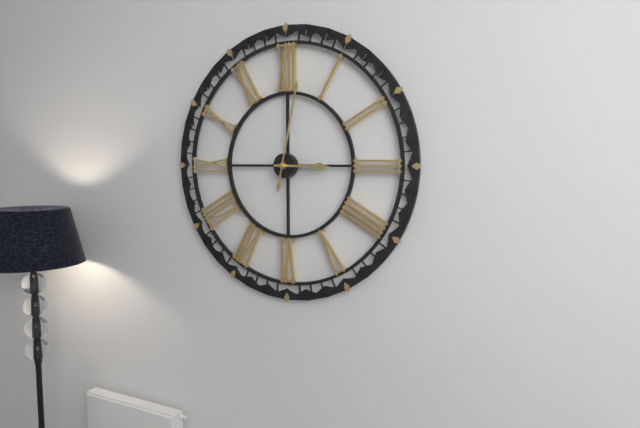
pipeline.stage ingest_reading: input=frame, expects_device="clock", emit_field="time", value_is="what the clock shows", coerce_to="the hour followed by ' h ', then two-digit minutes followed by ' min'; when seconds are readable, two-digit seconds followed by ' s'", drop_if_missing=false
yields 3 h 02 min
